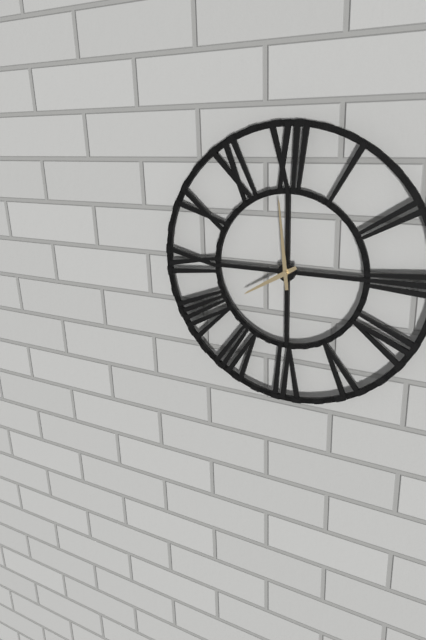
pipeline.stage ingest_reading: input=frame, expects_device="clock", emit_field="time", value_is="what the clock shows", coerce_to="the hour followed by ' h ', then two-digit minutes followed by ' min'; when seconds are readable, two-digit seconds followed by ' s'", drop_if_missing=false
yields 7 h 59 min
